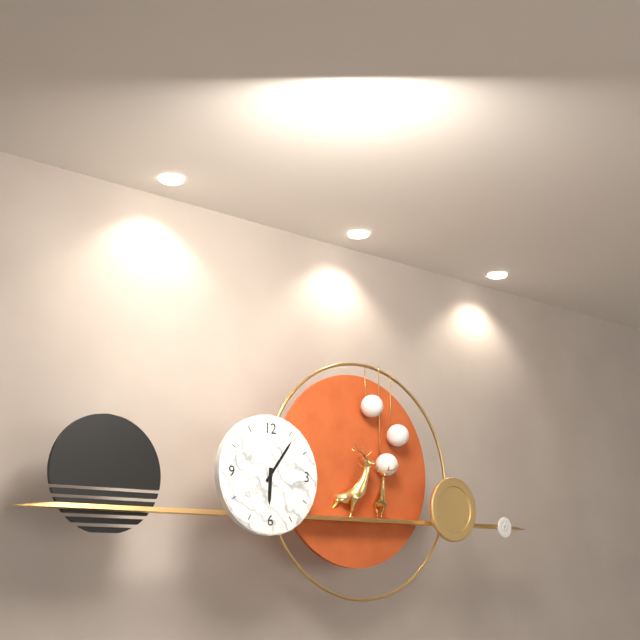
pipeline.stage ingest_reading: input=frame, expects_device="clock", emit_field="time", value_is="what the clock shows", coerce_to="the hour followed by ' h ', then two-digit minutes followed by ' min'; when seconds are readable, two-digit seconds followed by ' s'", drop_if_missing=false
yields 6 h 06 min
